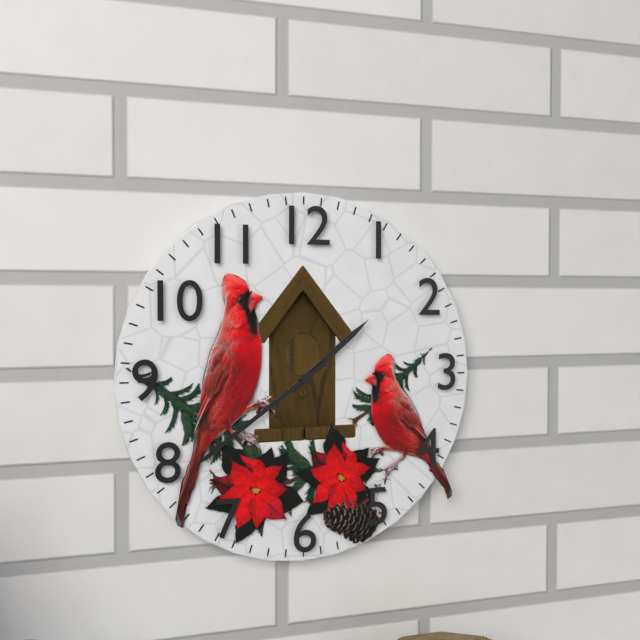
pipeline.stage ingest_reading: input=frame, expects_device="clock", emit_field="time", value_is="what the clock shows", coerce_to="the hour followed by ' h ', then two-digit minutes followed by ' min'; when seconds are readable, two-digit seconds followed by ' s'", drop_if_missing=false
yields 1 h 39 min
